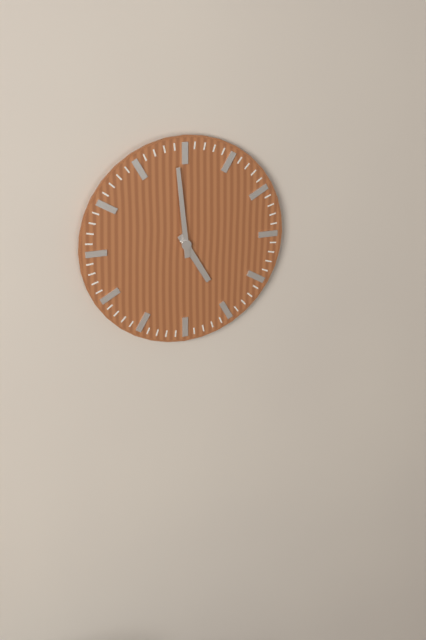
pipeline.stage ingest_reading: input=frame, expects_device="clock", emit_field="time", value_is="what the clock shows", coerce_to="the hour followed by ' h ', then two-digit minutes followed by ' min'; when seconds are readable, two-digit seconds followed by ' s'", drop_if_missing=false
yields 4 h 59 min
